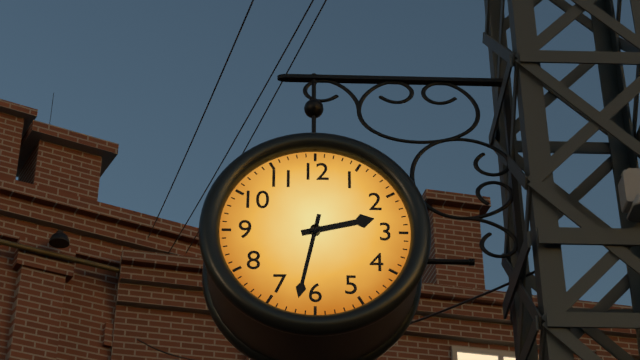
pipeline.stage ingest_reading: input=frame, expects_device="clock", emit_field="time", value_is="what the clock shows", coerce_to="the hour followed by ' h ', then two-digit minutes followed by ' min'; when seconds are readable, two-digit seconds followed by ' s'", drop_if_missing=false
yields 2 h 32 min
